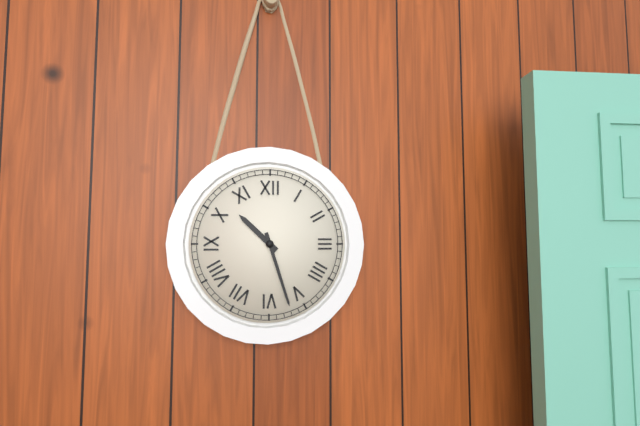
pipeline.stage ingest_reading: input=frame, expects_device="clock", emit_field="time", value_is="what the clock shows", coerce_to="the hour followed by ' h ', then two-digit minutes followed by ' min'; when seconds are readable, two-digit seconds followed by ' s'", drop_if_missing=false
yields 10 h 27 min
